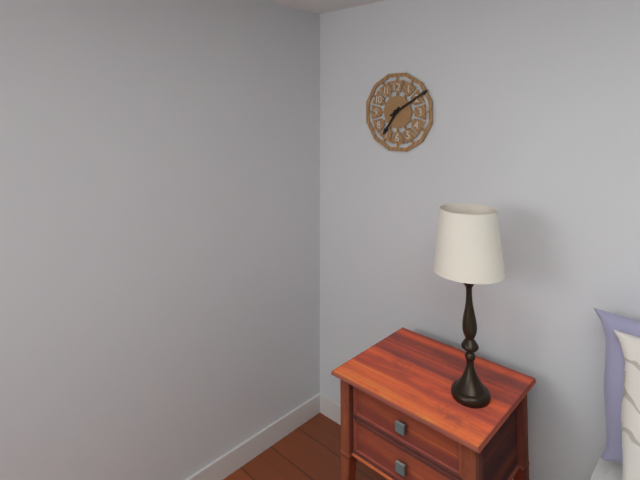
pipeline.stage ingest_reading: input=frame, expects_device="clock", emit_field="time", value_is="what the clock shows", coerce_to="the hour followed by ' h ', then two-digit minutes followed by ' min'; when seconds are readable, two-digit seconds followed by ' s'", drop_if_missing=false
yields 7 h 10 min
